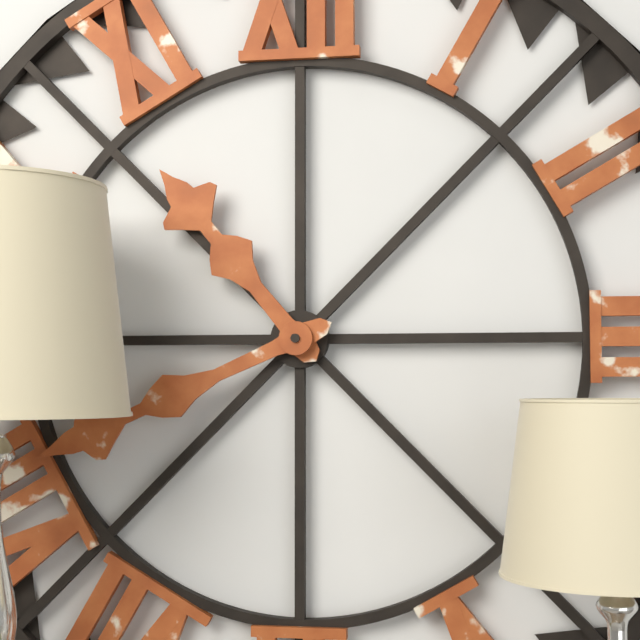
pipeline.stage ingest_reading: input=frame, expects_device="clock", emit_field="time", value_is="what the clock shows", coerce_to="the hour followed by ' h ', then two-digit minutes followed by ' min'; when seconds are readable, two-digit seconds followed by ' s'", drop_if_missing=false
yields 10 h 41 min
